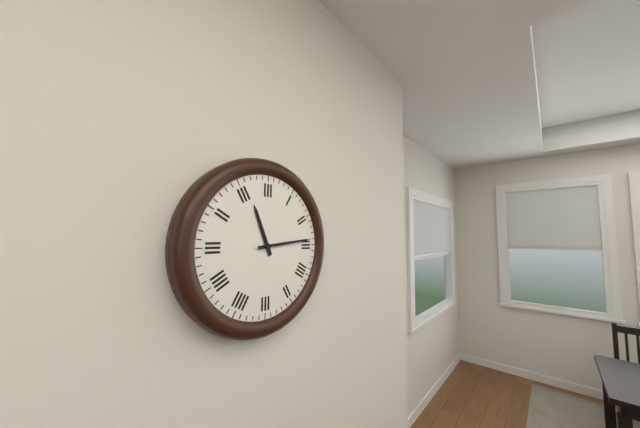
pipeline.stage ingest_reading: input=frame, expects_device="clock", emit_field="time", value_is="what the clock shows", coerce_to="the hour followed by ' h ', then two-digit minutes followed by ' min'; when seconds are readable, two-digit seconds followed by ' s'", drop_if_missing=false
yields 11 h 14 min
